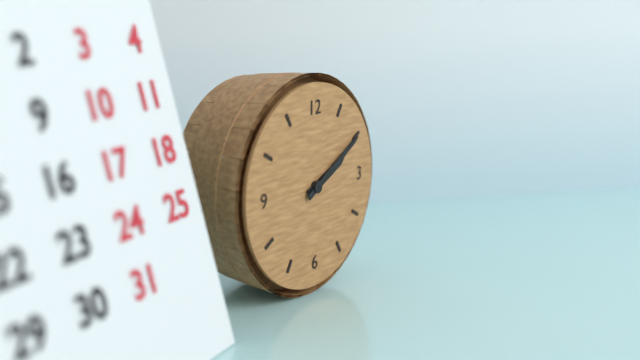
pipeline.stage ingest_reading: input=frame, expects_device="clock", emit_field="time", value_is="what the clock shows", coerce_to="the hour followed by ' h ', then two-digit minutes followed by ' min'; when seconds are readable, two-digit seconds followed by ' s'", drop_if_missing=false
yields 2 h 10 min
